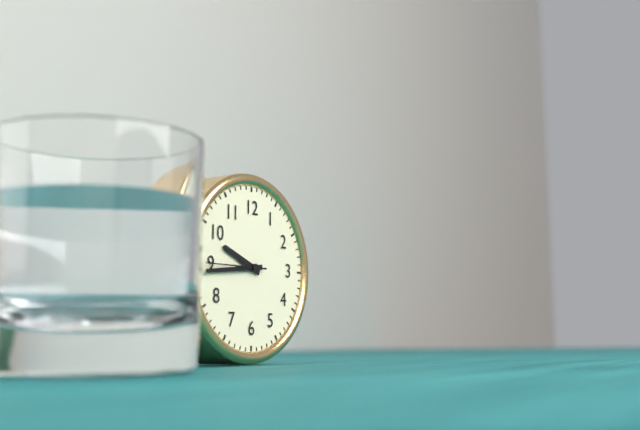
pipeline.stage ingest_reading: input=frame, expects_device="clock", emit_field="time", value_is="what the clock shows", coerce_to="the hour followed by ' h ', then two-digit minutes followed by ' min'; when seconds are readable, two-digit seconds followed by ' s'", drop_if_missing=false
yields 9 h 44 min
